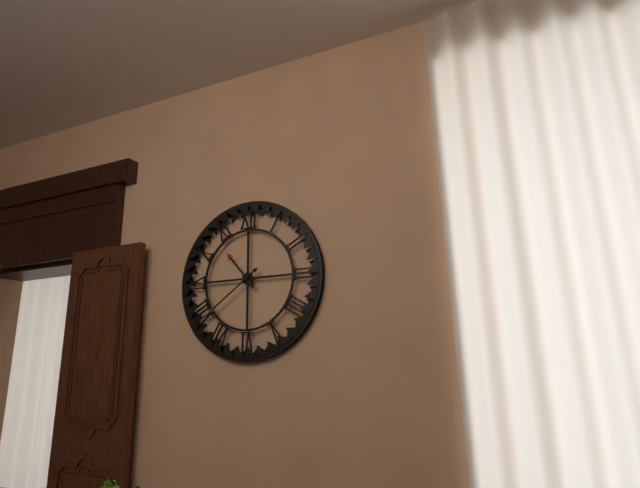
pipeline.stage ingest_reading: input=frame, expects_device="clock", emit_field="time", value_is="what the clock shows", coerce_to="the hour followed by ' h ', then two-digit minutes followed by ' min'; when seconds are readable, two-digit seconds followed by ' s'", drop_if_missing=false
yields 10 h 39 min
